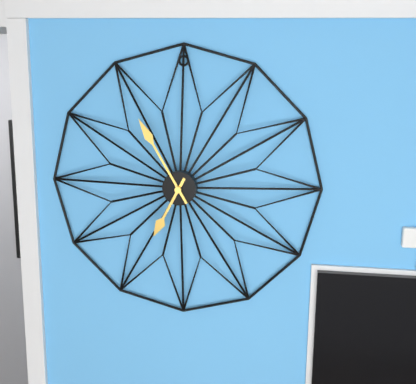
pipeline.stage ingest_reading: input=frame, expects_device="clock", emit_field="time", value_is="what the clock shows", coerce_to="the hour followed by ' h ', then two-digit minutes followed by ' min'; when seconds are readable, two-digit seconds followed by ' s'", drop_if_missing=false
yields 6 h 55 min
